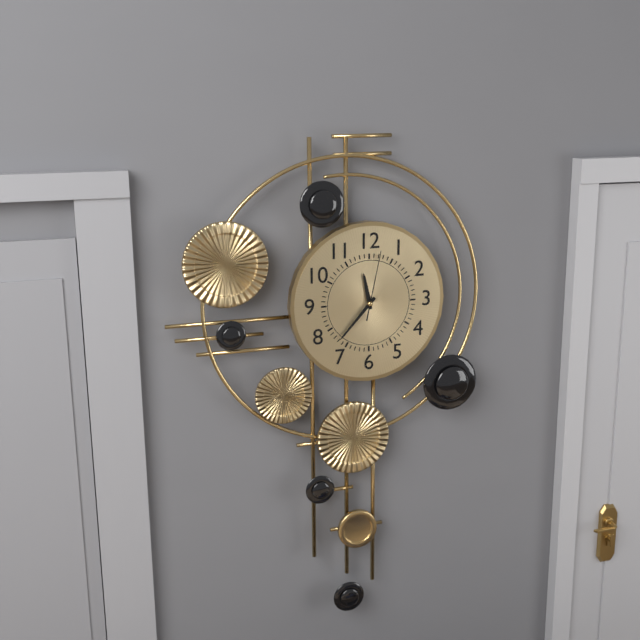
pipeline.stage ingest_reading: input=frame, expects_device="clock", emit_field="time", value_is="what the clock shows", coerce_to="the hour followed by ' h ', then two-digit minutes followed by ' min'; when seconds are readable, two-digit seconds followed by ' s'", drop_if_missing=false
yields 11 h 37 min 02 s
